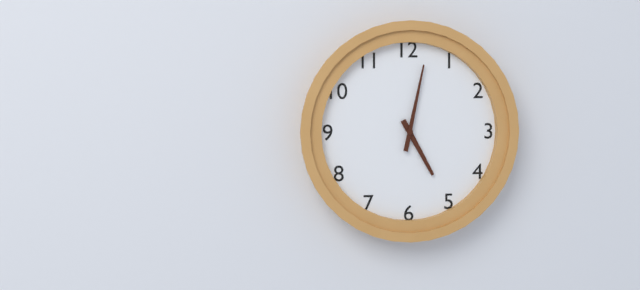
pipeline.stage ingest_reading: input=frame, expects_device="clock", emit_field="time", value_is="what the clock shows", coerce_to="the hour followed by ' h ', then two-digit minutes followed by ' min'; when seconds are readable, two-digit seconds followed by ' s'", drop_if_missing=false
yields 5 h 02 min
